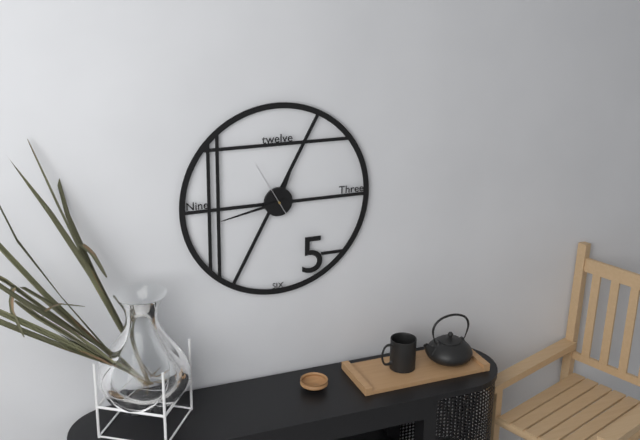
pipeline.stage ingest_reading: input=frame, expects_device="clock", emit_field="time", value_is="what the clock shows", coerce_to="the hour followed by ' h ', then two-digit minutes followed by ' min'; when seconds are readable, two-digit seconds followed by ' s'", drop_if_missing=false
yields 12 h 43 min 55 s
